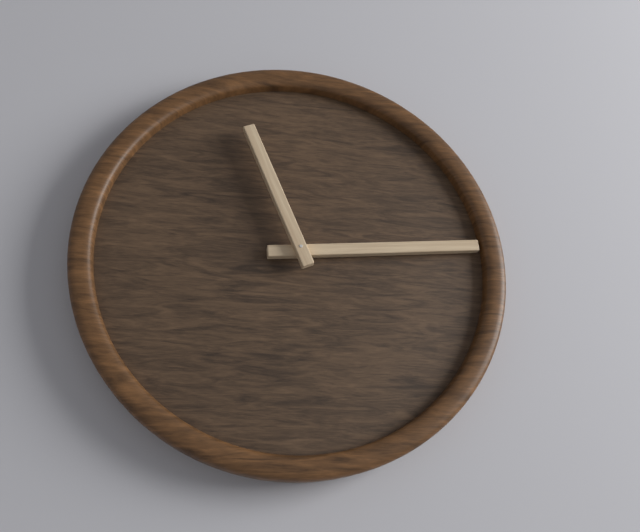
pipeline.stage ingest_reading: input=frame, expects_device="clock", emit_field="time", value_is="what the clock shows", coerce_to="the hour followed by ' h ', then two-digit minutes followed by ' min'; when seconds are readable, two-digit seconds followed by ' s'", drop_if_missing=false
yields 11 h 14 min
